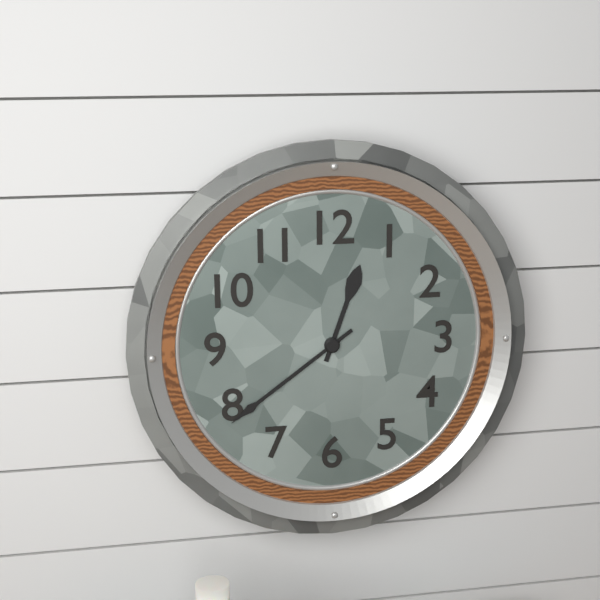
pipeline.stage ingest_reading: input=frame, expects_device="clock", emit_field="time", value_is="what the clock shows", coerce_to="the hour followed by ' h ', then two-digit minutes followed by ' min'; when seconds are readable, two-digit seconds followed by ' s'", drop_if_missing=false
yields 12 h 39 min
